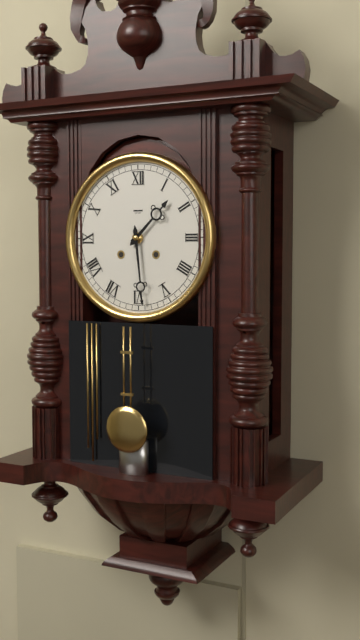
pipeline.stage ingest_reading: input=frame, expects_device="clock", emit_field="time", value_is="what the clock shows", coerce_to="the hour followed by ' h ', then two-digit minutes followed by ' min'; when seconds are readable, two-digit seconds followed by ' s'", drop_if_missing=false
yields 1 h 29 min
